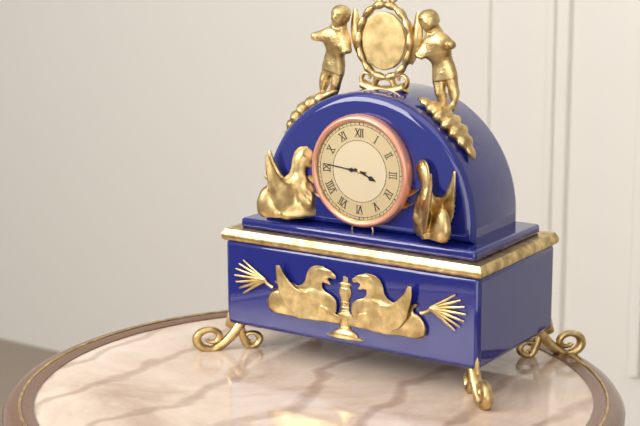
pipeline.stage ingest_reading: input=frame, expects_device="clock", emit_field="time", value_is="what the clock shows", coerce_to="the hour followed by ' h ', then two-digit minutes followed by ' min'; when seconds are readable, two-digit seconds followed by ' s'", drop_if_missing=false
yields 3 h 46 min
